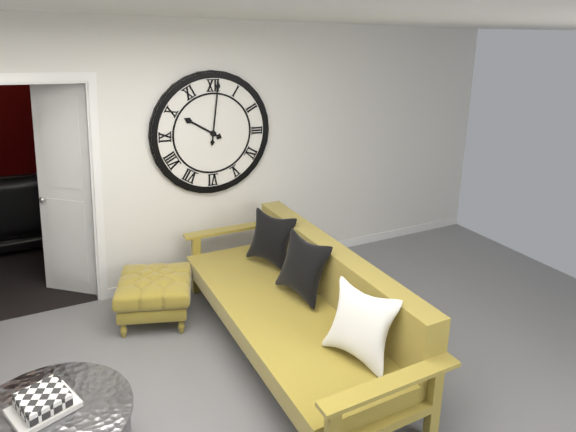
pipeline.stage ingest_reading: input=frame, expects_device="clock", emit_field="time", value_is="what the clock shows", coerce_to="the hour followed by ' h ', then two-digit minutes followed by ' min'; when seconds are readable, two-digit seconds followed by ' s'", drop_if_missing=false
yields 10 h 01 min
